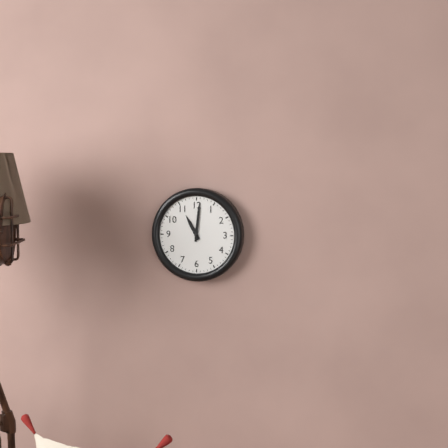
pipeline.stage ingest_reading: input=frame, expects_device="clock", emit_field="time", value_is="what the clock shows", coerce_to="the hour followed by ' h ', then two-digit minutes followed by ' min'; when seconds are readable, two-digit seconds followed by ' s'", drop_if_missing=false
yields 11 h 01 min
